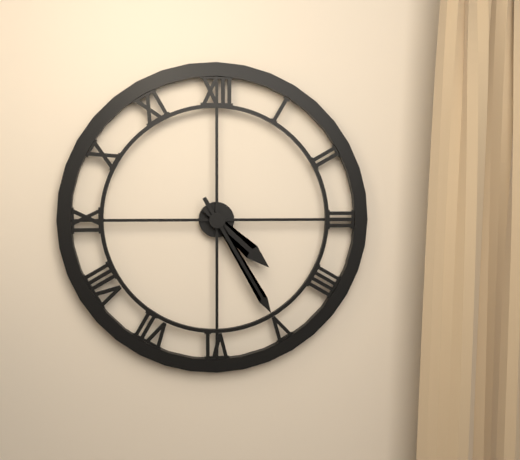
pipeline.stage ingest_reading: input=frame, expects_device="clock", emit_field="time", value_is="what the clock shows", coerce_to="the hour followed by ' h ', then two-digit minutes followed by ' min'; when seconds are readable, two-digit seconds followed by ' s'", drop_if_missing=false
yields 4 h 25 min
